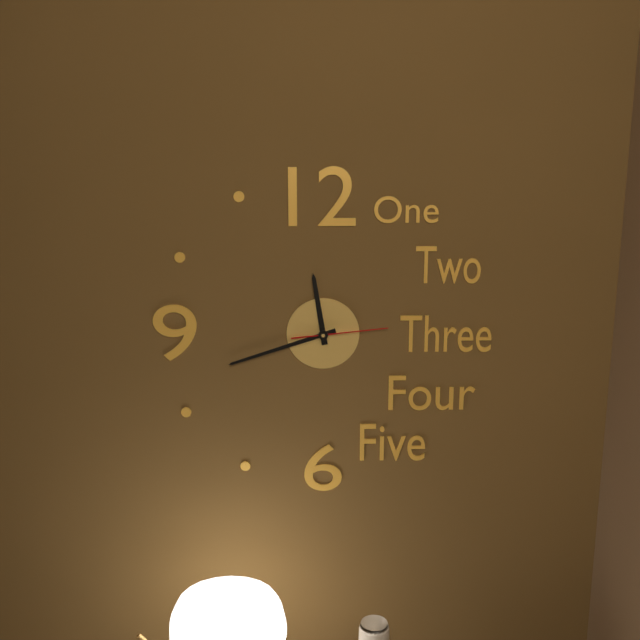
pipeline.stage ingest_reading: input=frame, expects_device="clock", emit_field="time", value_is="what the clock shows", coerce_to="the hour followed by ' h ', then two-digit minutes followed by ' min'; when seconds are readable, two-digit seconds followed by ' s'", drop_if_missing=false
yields 11 h 42 min 14 s
